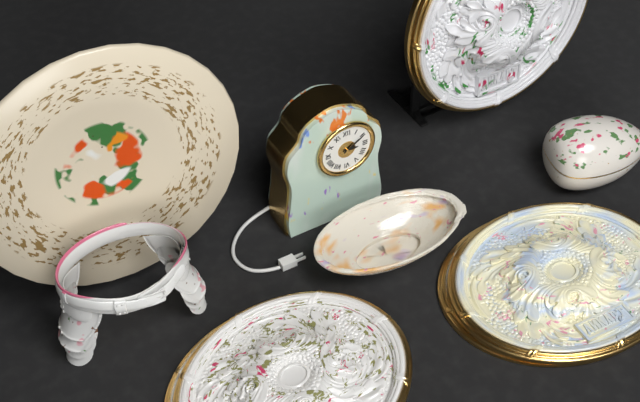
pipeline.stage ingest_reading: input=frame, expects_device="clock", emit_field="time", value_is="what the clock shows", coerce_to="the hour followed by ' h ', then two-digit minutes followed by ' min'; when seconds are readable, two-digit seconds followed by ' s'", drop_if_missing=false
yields 3 h 10 min
